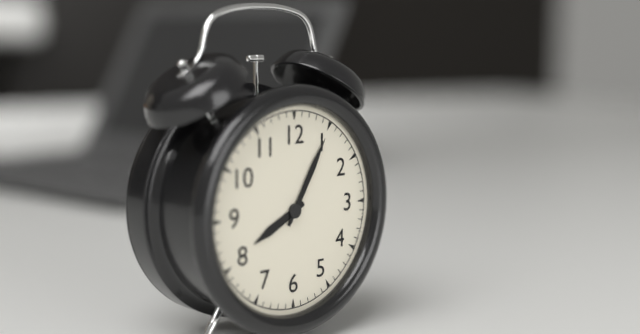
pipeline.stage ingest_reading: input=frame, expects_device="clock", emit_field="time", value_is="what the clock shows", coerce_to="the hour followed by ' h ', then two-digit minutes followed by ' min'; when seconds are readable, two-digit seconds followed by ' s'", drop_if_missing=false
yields 8 h 05 min
